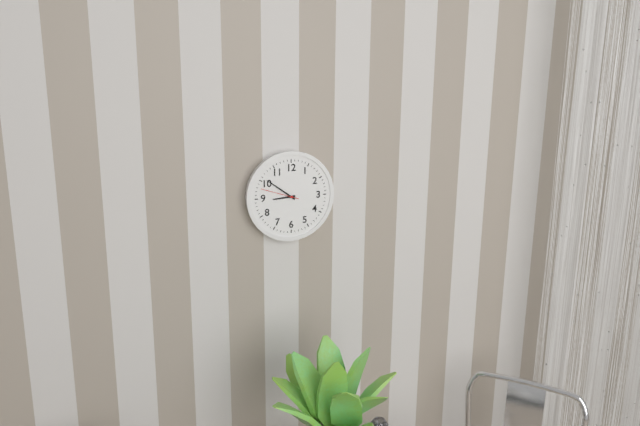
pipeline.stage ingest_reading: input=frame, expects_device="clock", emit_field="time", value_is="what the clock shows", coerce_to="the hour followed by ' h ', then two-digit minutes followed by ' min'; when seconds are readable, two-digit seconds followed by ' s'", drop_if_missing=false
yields 8 h 51 min
